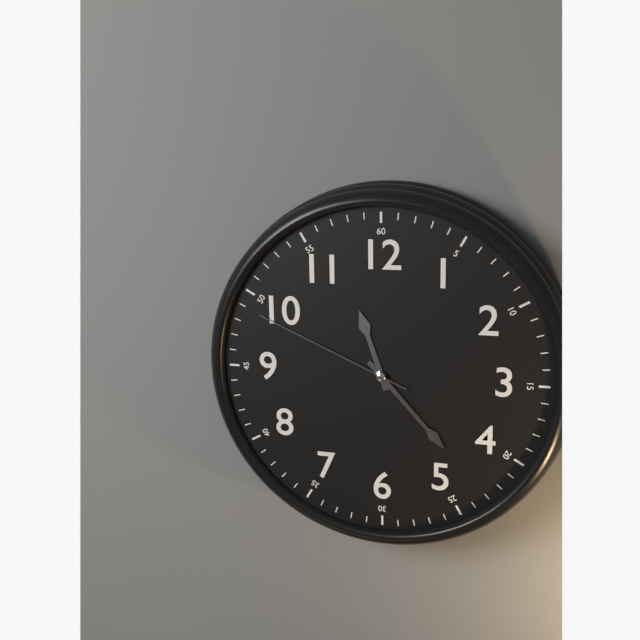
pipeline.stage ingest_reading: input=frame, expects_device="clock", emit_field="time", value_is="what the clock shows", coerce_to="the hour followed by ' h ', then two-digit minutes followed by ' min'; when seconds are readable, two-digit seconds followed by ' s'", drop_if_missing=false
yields 11 h 23 min 49 s
